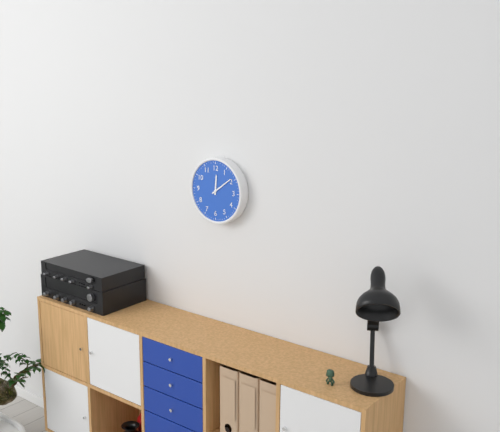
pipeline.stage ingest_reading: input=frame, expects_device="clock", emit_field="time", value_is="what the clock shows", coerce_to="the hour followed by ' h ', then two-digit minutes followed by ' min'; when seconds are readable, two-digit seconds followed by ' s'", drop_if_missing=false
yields 12 h 09 min
